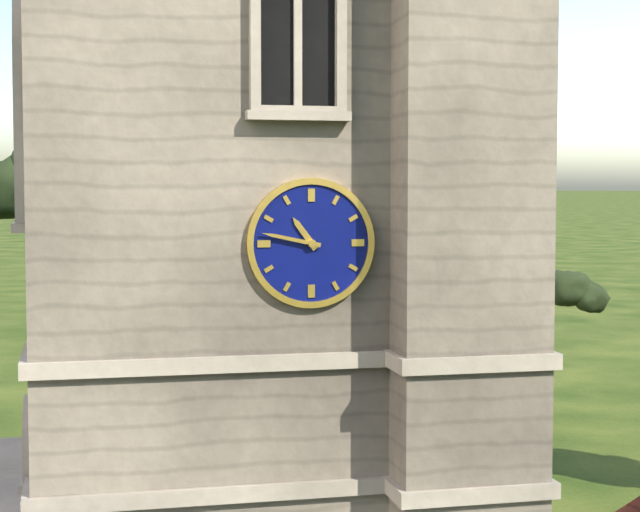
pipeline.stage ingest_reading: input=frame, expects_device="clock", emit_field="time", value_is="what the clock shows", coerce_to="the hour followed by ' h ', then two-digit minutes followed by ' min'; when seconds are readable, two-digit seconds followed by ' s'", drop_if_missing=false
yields 10 h 47 min
